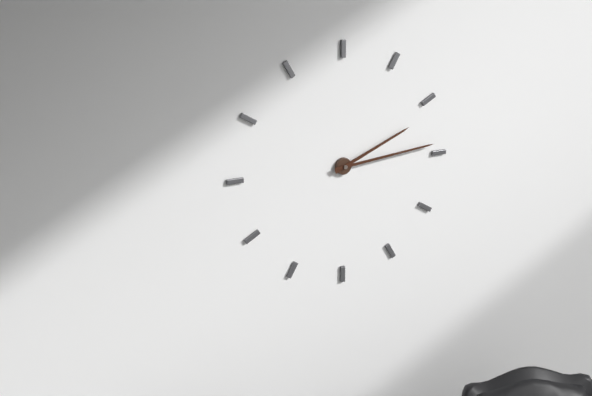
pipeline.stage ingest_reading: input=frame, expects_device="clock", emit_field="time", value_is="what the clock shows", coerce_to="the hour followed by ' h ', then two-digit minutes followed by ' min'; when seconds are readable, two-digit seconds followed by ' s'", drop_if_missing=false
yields 2 h 14 min
